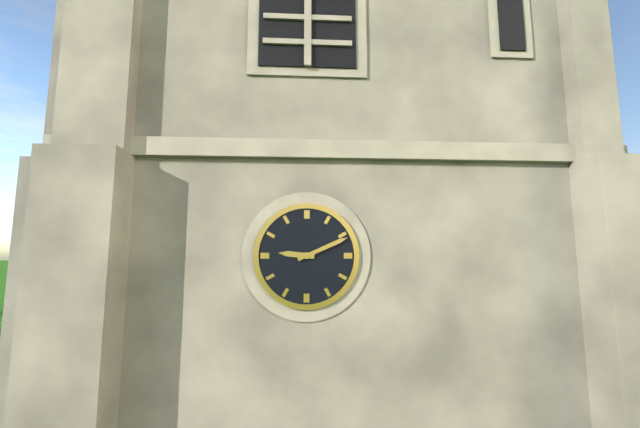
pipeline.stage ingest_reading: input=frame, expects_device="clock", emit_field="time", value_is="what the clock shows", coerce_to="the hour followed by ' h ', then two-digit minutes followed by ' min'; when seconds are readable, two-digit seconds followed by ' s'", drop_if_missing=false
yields 9 h 11 min
